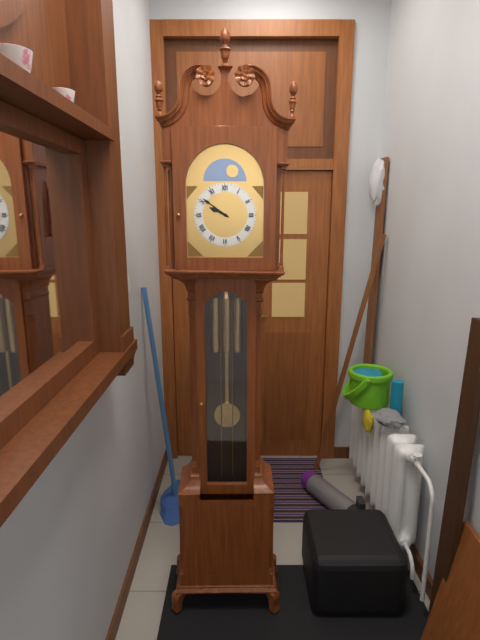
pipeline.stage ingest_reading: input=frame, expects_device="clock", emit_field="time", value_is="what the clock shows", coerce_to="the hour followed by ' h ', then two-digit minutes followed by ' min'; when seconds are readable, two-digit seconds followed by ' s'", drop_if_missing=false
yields 9 h 51 min
